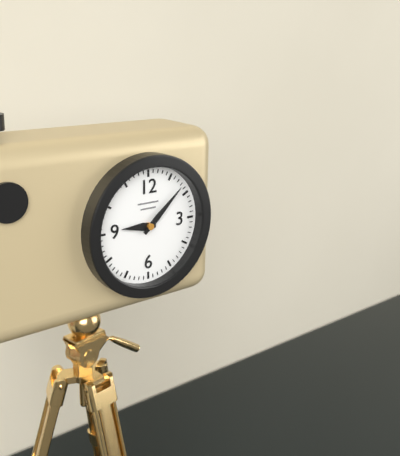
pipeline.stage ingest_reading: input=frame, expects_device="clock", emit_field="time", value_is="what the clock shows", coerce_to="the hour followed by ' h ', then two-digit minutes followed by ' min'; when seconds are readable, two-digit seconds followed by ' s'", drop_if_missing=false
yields 9 h 08 min
